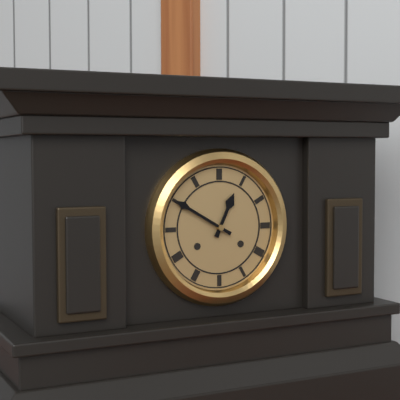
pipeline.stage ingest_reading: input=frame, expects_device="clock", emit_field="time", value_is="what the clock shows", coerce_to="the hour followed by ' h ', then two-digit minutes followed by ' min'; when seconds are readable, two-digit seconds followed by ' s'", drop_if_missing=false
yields 12 h 50 min
